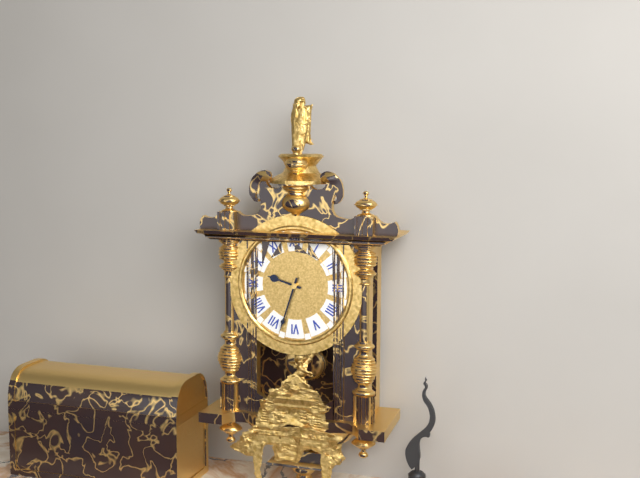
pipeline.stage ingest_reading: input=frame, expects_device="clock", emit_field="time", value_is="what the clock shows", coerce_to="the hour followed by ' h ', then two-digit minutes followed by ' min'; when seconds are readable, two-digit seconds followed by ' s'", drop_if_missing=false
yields 9 h 33 min
